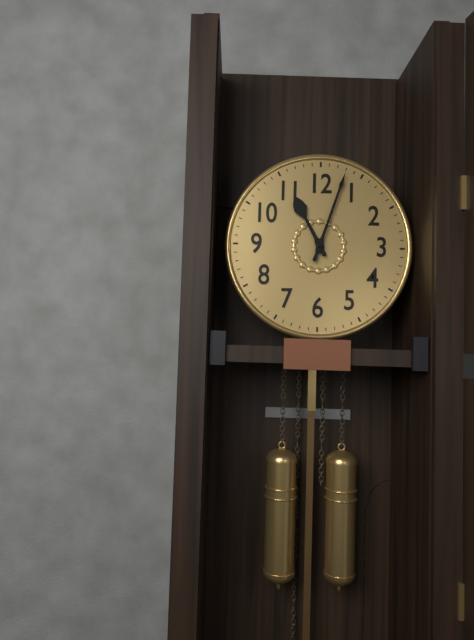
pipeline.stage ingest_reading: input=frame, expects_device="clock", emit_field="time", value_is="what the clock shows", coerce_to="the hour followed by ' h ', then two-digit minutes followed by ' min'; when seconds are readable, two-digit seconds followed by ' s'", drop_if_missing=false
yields 11 h 03 min
